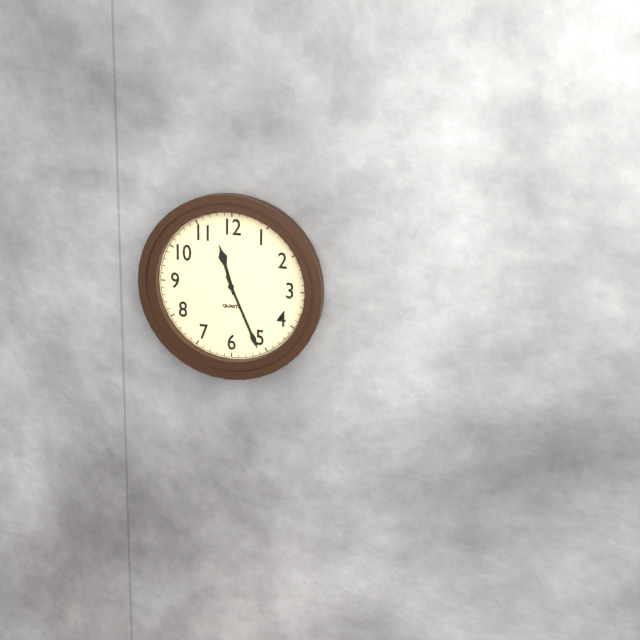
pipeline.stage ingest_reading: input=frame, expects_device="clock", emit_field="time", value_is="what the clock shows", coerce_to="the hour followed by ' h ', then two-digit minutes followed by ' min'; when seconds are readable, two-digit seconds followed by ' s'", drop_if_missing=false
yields 11 h 26 min
